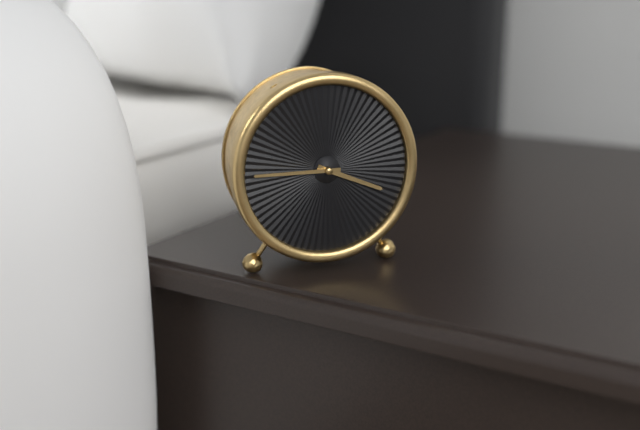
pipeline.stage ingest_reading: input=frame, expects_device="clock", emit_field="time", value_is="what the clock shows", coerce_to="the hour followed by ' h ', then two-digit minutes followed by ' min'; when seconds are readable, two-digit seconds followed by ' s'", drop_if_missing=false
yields 3 h 45 min
